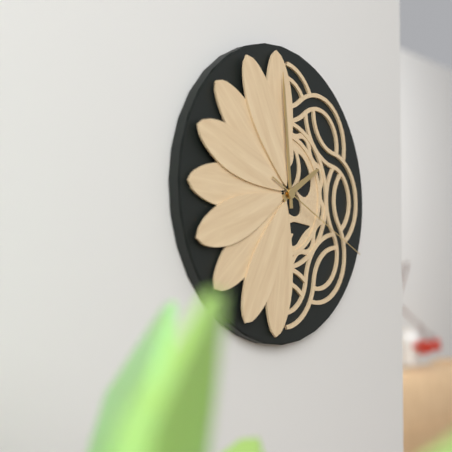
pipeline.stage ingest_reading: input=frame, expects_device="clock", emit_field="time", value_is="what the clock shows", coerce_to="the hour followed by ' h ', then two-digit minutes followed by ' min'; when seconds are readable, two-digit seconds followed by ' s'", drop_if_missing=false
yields 1 h 59 min 19 s
